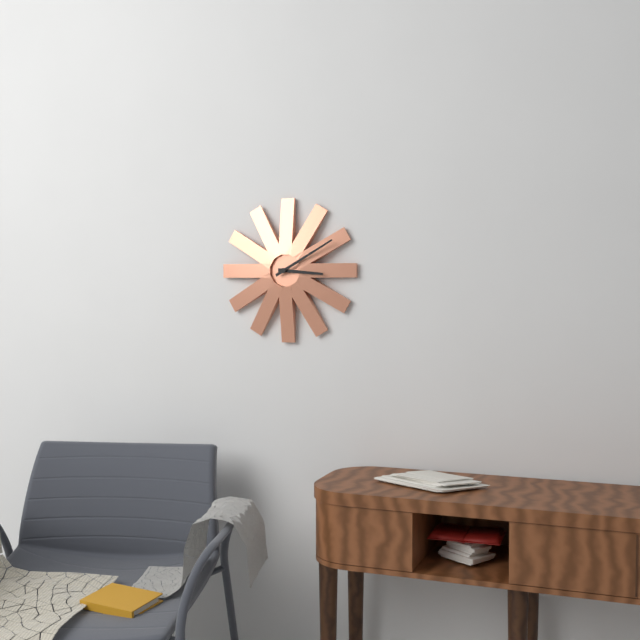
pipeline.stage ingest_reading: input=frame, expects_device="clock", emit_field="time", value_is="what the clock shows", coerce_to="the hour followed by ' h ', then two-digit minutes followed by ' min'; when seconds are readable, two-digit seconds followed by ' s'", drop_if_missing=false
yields 3 h 10 min
